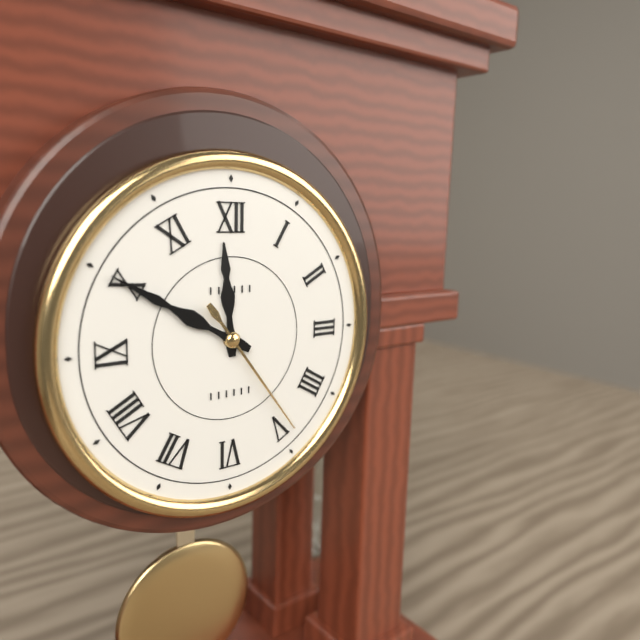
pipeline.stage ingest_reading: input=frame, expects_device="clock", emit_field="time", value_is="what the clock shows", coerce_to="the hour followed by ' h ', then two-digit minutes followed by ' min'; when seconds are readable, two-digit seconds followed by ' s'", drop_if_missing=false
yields 11 h 50 min 24 s
